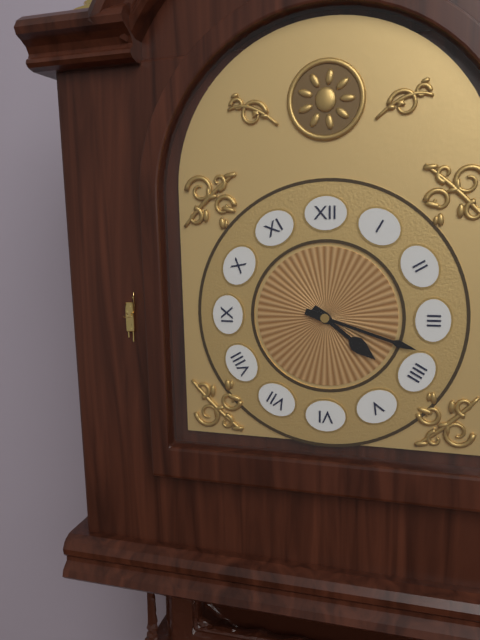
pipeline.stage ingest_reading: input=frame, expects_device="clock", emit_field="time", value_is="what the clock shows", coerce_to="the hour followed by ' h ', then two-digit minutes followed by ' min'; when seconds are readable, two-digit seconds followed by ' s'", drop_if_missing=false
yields 4 h 18 min
